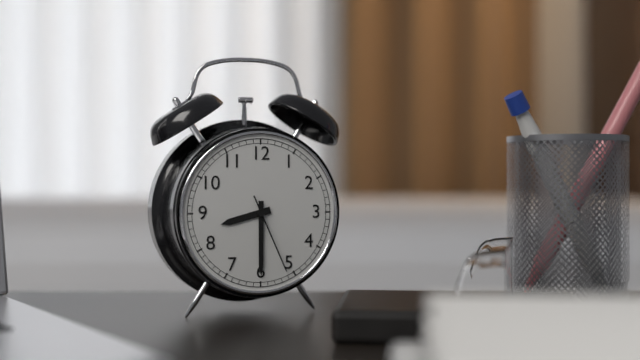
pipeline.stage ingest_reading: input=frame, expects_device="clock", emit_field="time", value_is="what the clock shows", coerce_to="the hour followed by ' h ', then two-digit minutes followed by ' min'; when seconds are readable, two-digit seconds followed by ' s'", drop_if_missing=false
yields 8 h 30 min 26 s
